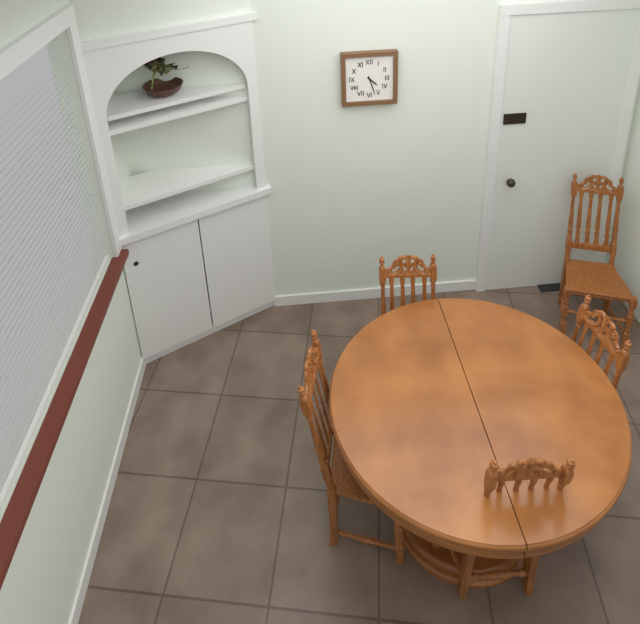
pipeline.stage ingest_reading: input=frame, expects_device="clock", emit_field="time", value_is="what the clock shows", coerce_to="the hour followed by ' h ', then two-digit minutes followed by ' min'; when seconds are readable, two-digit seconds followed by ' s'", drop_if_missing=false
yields 4 h 27 min
